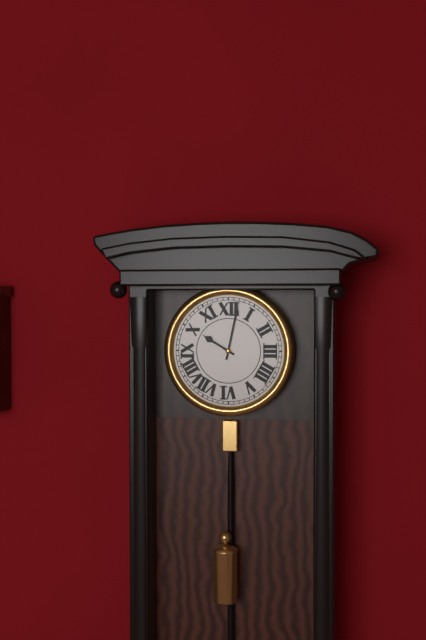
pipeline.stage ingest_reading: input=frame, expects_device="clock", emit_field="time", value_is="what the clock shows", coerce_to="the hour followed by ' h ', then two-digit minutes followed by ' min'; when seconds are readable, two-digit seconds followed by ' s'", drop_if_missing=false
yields 10 h 02 min
